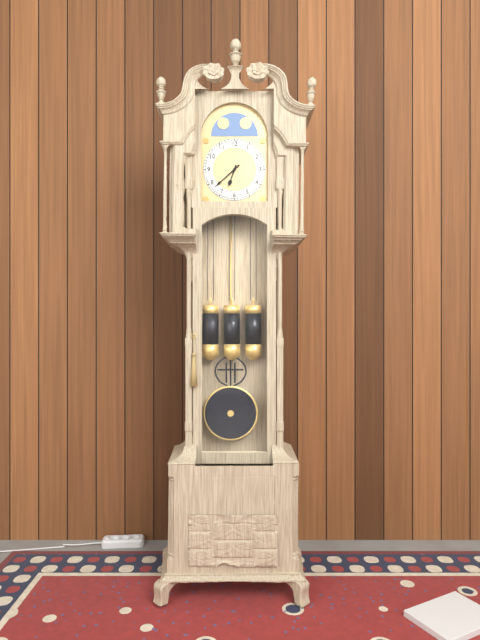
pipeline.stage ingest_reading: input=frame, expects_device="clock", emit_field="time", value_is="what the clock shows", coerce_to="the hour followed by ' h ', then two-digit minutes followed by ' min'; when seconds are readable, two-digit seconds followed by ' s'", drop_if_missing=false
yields 6 h 38 min
